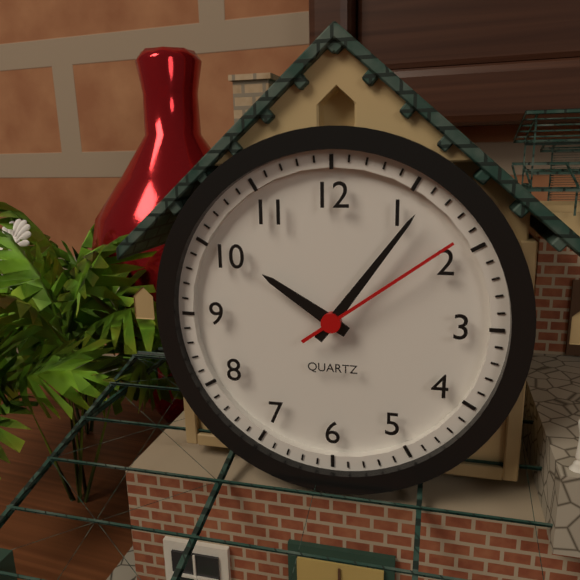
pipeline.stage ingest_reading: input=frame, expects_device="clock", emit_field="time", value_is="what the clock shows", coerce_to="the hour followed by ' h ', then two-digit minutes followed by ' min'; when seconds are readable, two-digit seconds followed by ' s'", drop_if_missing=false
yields 10 h 06 min 09 s
